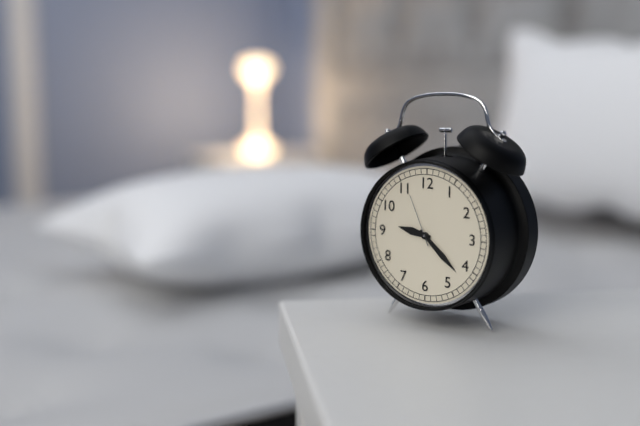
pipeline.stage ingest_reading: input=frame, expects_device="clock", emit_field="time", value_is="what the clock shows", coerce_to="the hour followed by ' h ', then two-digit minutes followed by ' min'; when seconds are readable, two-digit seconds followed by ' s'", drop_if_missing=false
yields 9 h 22 min 56 s
